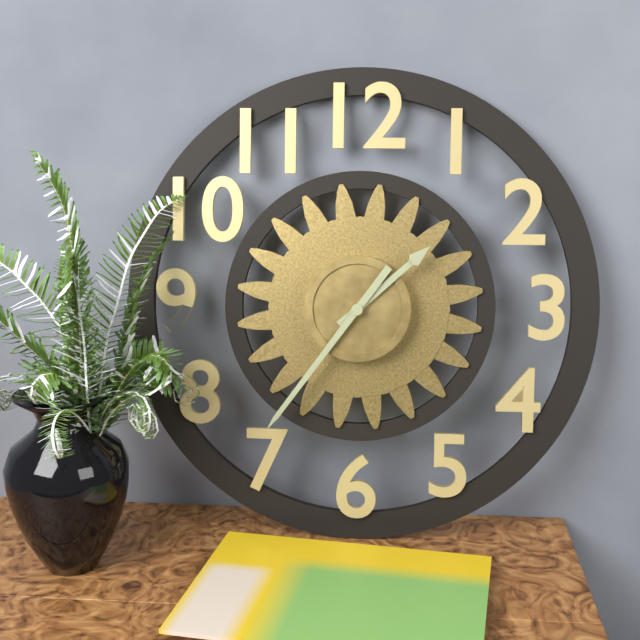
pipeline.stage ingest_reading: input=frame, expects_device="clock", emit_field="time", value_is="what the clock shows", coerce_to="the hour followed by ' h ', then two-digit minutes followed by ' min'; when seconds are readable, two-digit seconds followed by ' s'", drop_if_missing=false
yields 1 h 36 min
